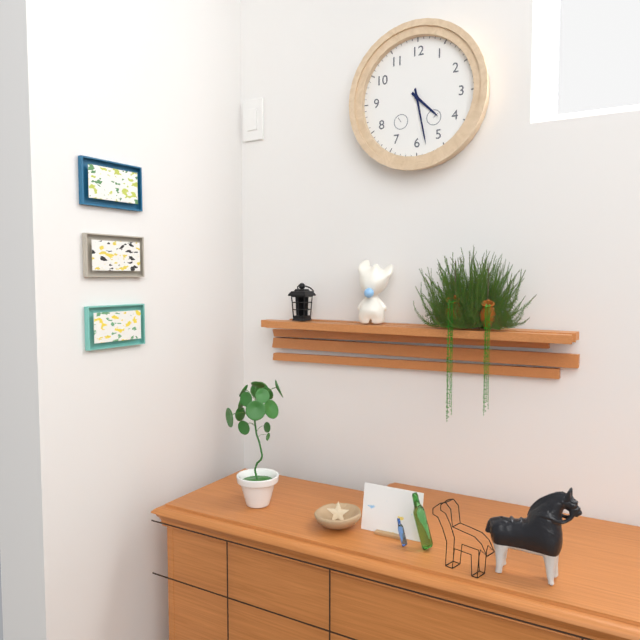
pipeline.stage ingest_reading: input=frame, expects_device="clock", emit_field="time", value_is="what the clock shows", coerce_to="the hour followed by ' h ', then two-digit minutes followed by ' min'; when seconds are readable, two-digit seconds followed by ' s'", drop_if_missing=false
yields 4 h 28 min
